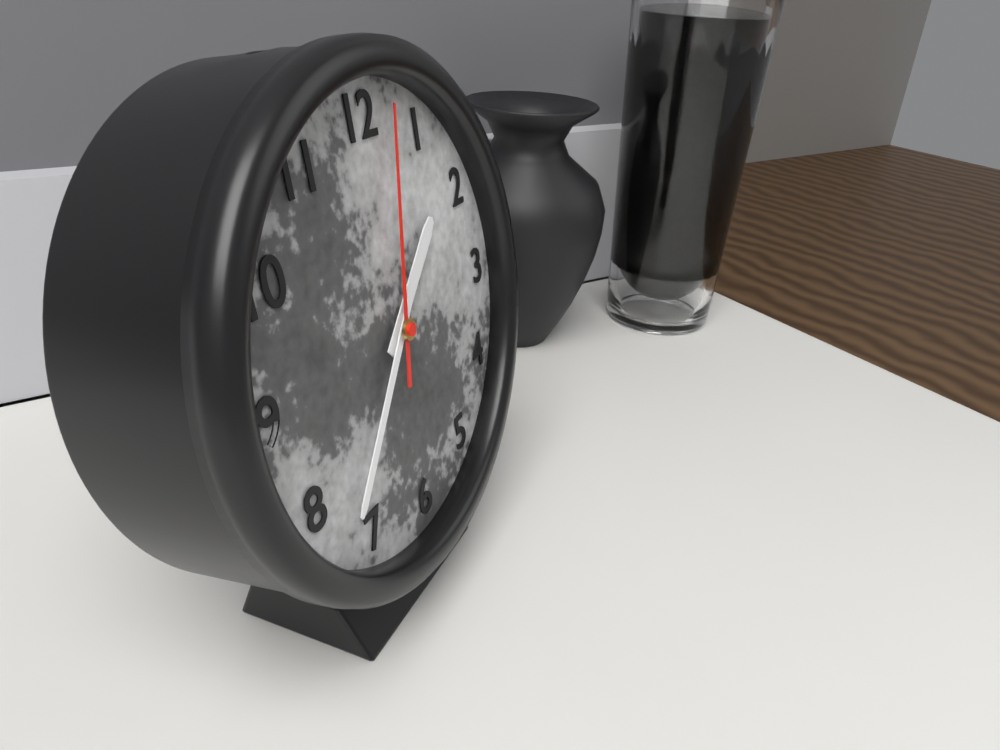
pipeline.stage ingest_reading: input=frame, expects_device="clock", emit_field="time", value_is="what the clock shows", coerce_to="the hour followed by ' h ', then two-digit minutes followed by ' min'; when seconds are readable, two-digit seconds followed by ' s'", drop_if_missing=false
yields 1 h 37 min 02 s
